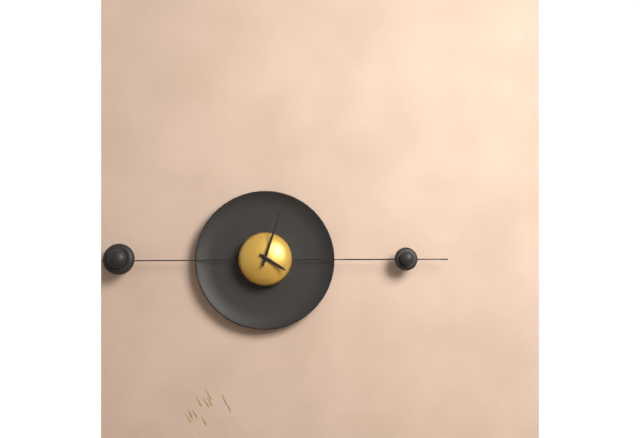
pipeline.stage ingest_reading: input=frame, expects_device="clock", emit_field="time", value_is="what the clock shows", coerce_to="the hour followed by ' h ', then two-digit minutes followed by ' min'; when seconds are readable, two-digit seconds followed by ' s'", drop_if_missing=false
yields 4 h 03 min
